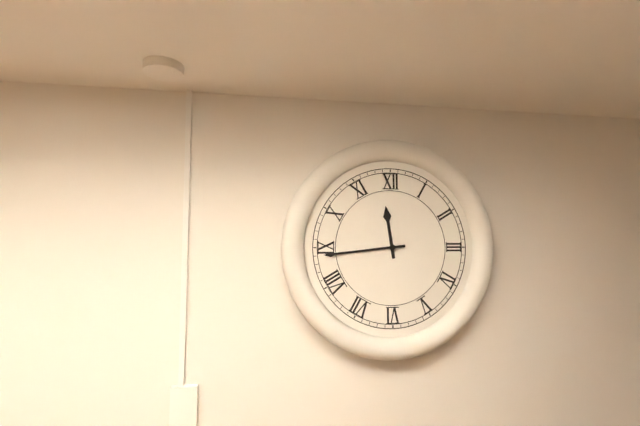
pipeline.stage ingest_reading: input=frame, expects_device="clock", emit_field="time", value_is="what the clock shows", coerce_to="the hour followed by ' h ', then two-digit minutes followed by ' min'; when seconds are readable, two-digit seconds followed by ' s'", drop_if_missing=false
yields 11 h 44 min
